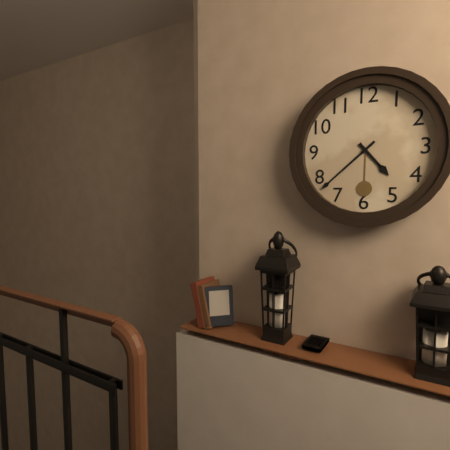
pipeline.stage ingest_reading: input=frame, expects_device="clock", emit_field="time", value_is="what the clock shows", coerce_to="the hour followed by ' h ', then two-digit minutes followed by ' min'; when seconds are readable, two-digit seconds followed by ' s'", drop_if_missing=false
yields 4 h 38 min
